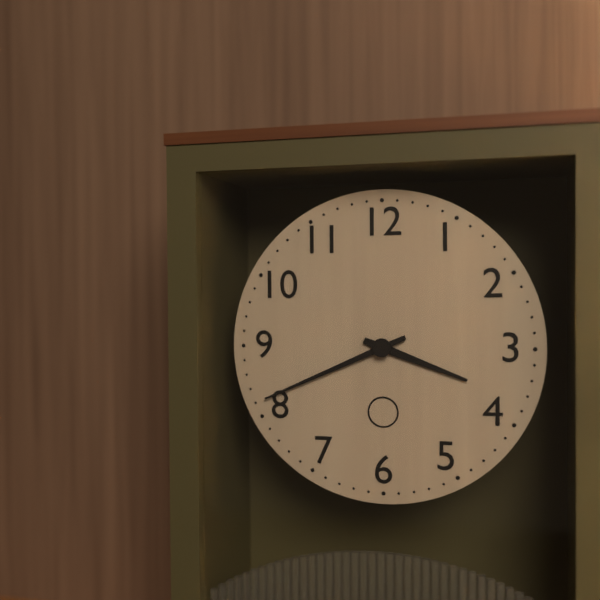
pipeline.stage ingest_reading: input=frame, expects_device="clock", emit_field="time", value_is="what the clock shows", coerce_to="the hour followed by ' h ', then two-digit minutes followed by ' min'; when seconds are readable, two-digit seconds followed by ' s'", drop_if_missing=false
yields 3 h 41 min
